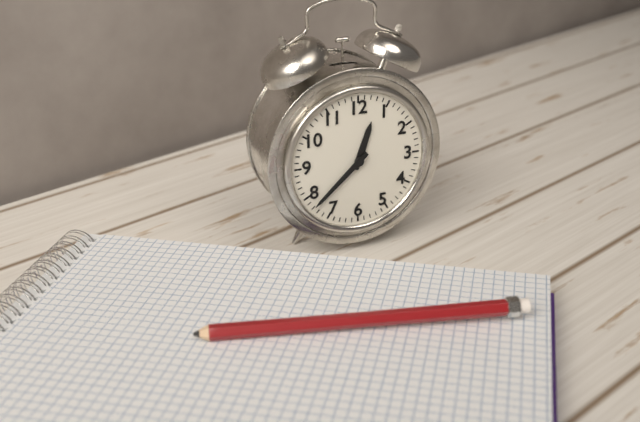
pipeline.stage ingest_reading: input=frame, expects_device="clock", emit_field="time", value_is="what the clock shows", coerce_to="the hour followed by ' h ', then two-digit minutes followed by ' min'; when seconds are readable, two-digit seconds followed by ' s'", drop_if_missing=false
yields 12 h 38 min
